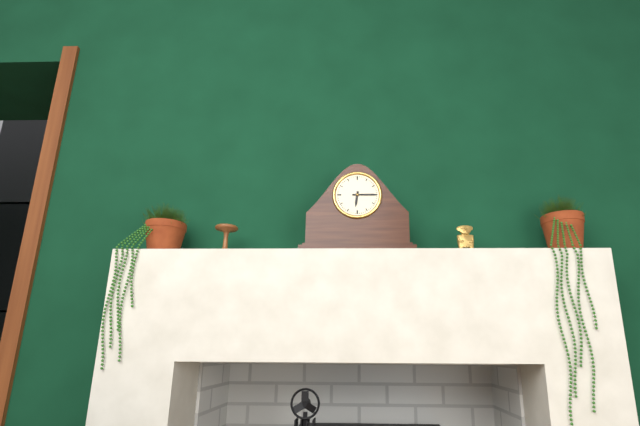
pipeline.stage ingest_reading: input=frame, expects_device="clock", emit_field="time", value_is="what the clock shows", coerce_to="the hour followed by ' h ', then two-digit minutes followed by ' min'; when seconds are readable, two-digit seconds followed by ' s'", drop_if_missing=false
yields 6 h 15 min
